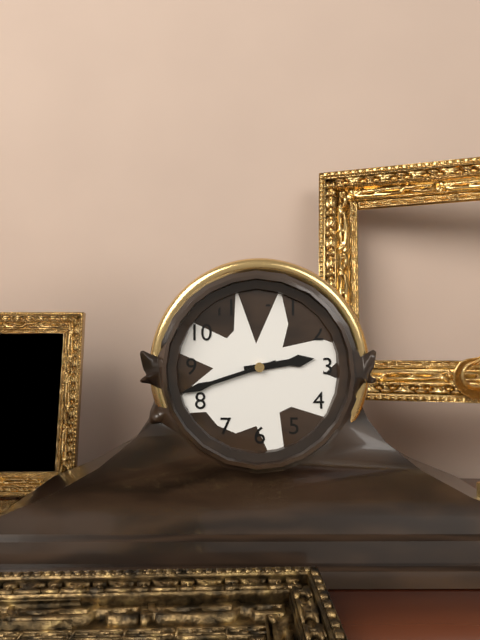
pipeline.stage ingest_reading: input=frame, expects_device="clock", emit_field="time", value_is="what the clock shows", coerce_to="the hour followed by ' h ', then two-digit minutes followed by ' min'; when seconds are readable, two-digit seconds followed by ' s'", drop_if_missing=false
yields 2 h 42 min
